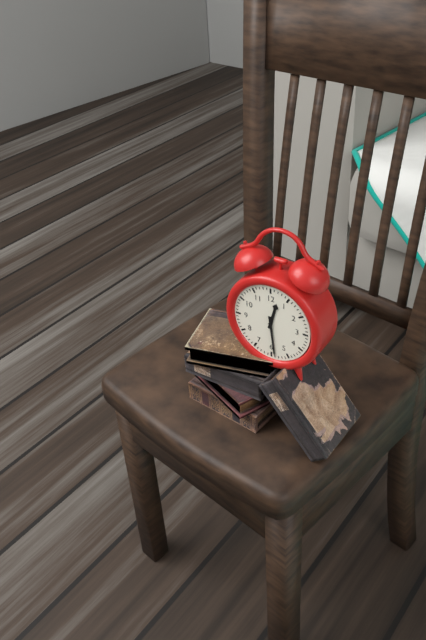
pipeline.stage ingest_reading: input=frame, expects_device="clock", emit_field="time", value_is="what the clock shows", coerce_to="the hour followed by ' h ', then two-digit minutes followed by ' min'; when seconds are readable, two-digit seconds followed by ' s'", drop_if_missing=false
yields 12 h 29 min
